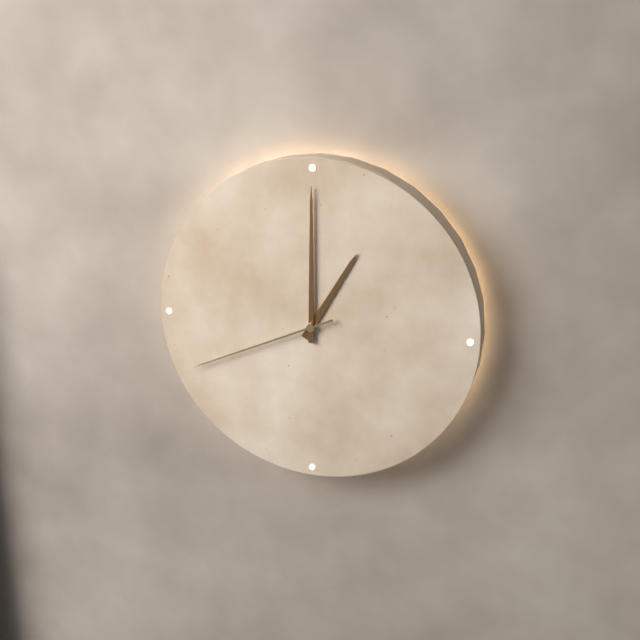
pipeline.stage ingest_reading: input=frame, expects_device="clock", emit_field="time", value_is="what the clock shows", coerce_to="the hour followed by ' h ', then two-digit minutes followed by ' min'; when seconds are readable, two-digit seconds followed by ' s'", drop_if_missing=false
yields 1 h 00 min 41 s
